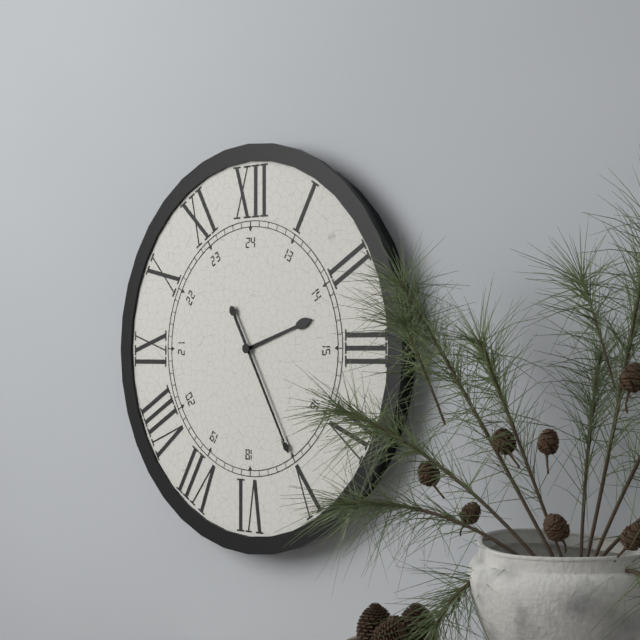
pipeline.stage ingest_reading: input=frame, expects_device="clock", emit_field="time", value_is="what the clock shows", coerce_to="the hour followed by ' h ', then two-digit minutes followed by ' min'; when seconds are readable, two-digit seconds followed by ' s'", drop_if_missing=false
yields 2 h 25 min
